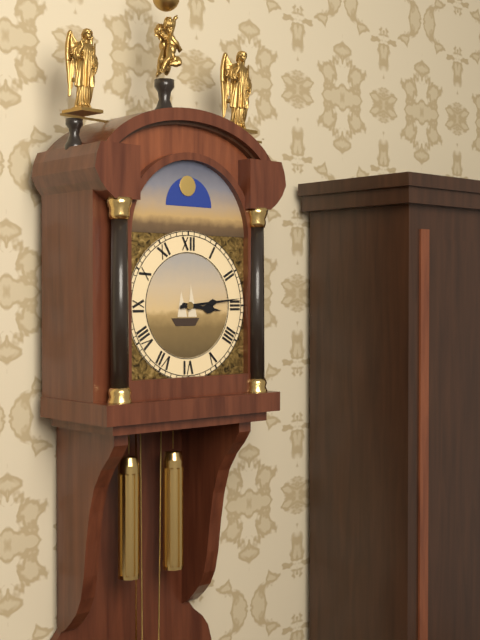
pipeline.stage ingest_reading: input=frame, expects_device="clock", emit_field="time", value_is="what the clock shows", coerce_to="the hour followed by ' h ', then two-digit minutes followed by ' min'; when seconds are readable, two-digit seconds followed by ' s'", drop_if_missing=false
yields 3 h 14 min
